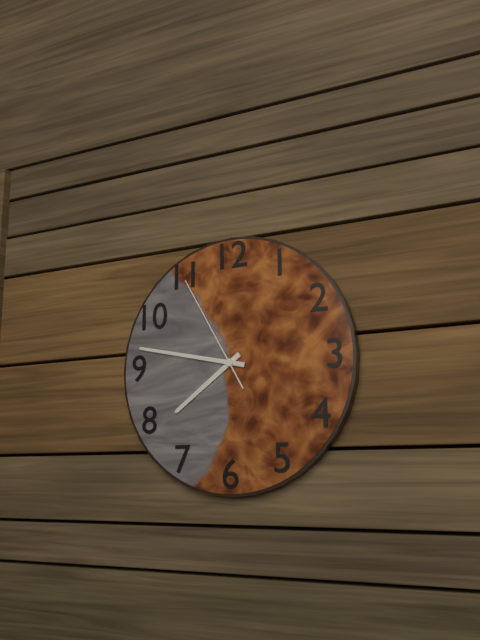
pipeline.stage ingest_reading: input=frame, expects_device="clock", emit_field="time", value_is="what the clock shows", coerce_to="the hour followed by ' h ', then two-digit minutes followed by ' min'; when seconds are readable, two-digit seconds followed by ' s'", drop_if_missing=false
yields 7 h 47 min 55 s
